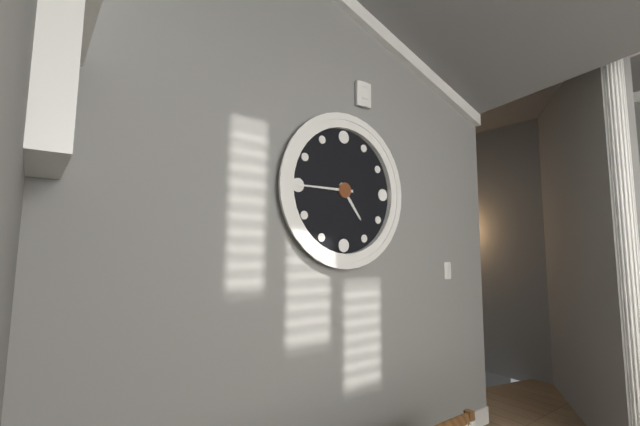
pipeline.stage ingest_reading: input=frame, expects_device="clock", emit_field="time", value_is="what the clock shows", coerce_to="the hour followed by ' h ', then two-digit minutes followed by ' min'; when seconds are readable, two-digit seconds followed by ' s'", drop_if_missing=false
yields 4 h 45 min
